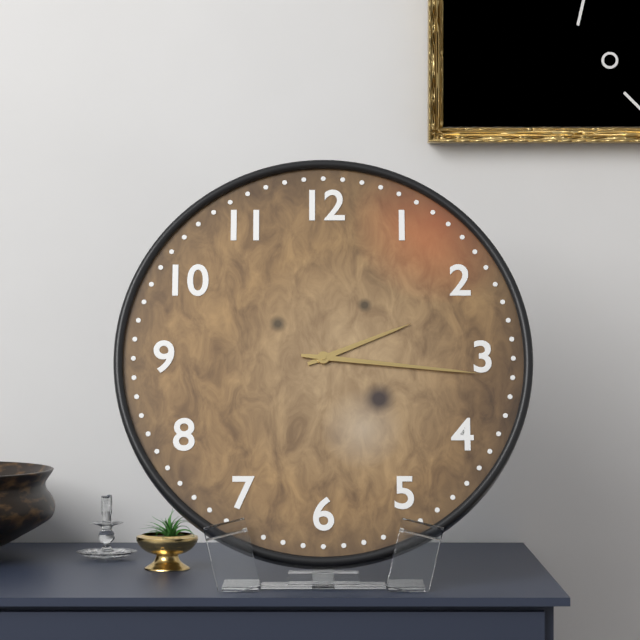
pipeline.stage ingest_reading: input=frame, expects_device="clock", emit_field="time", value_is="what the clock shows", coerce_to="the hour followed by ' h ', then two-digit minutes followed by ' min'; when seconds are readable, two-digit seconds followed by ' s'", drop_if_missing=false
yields 2 h 16 min
